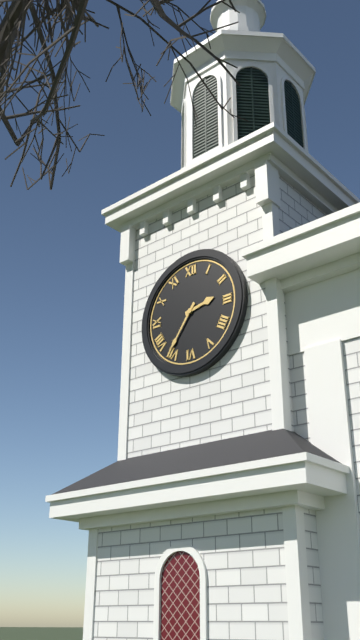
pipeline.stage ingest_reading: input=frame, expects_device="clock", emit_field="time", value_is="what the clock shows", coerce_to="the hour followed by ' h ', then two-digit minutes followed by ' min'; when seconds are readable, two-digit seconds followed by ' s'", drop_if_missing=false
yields 2 h 36 min
